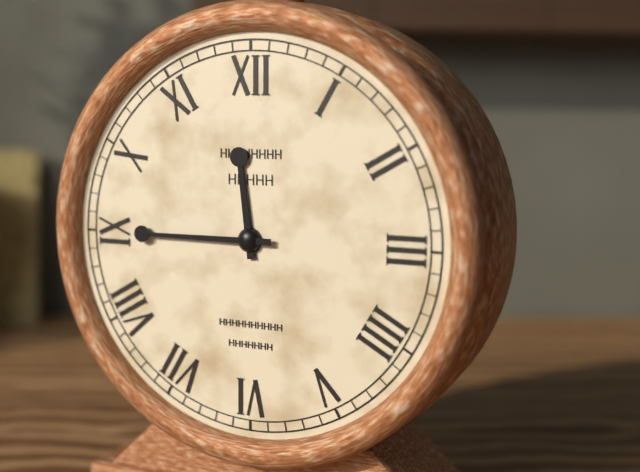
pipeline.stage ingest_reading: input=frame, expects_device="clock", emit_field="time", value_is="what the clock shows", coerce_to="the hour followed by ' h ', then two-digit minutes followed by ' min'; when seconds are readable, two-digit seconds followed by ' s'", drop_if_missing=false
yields 11 h 45 min
